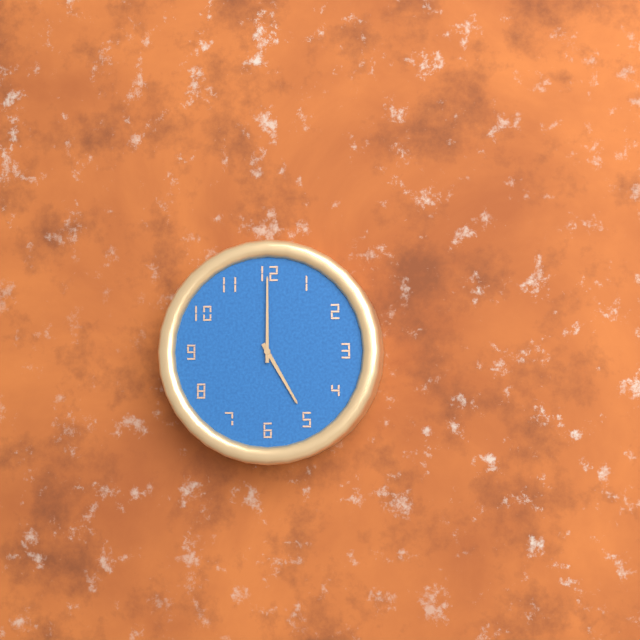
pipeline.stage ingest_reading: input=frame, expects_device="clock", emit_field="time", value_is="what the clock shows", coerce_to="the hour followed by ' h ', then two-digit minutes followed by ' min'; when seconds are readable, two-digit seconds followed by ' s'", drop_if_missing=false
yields 5 h 00 min
